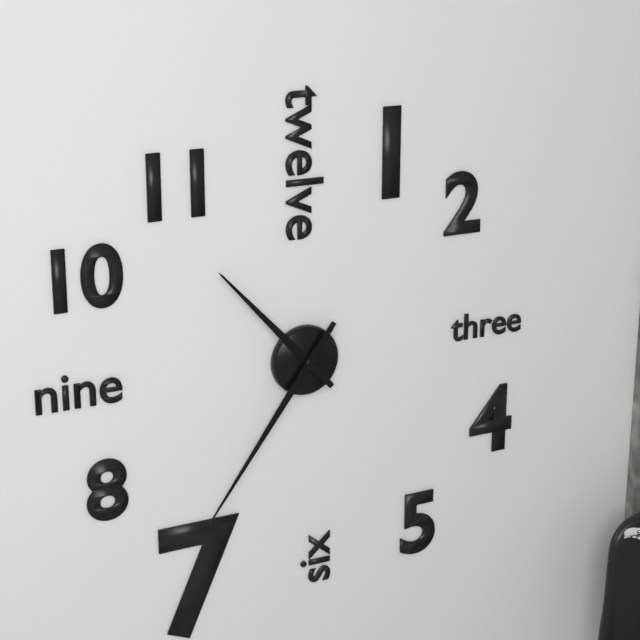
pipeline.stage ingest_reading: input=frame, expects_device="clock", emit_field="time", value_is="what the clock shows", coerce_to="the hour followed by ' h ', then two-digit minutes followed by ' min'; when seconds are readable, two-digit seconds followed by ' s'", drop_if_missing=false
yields 10 h 36 min
